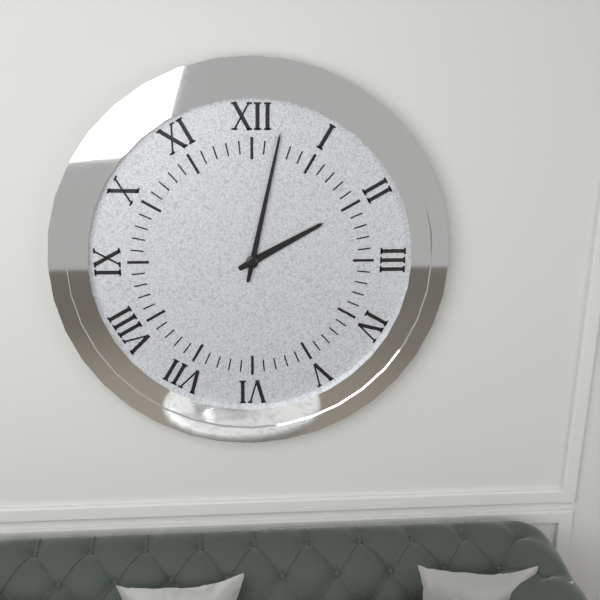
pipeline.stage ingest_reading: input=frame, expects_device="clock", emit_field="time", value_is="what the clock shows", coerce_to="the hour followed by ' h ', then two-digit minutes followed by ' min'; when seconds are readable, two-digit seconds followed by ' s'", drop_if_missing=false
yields 2 h 02 min
